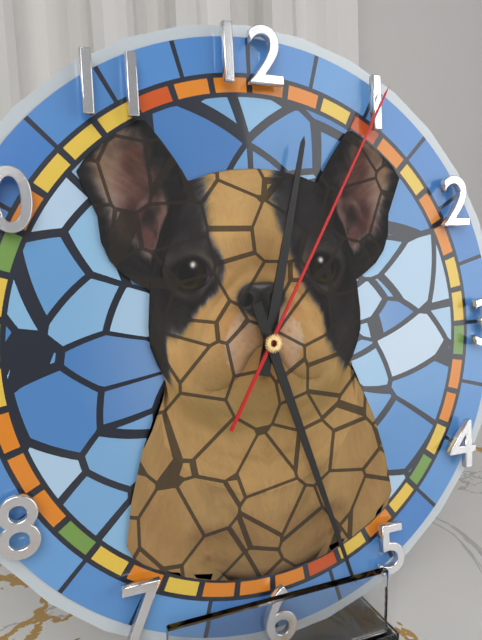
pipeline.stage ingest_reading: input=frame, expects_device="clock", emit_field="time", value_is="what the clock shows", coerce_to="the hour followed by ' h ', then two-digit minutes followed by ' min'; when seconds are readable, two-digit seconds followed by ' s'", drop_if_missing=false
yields 12 h 27 min 05 s
